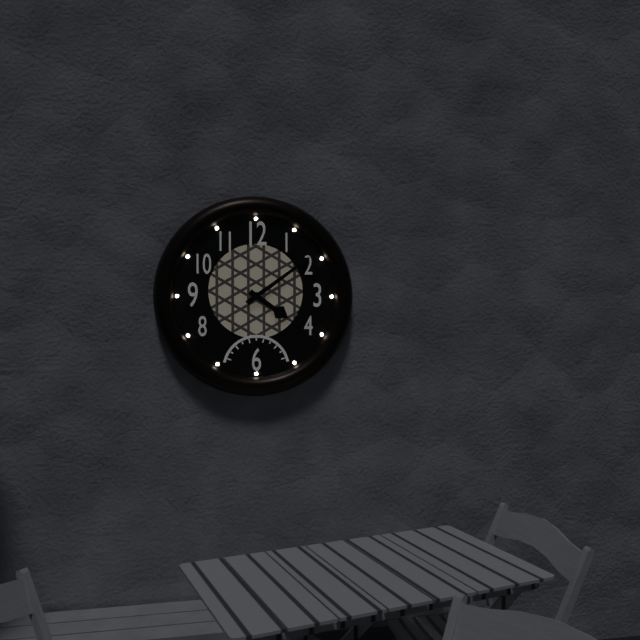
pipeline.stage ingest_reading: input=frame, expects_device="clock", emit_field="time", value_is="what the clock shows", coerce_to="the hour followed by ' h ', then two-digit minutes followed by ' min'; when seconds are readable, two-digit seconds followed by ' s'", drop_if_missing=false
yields 4 h 09 min
